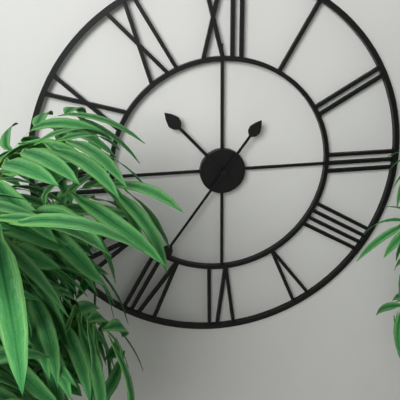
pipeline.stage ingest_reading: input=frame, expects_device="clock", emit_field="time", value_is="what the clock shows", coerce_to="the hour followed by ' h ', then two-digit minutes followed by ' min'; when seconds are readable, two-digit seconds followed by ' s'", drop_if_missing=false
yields 10 h 36 min
